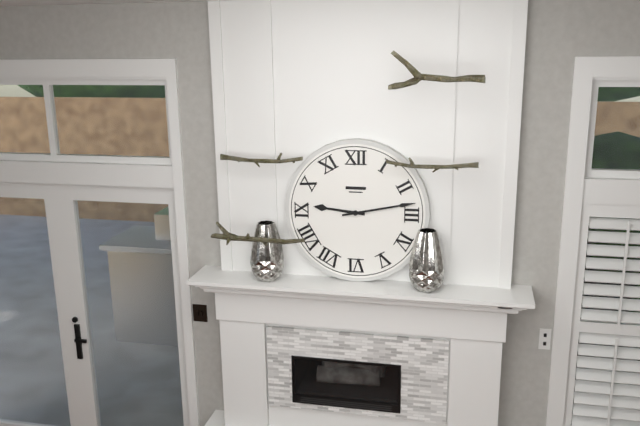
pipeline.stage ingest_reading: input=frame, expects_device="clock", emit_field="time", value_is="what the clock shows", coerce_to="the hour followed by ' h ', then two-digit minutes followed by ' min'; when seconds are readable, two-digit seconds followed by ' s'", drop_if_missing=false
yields 9 h 13 min
